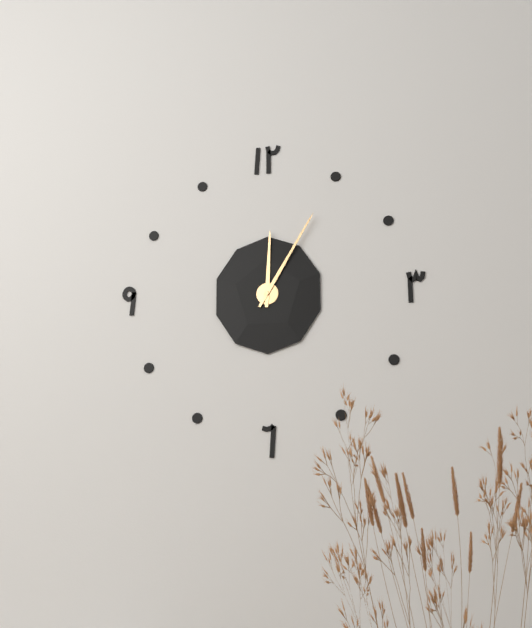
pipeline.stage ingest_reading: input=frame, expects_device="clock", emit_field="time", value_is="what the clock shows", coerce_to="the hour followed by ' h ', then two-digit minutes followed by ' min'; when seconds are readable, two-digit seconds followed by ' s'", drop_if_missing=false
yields 12 h 05 min
